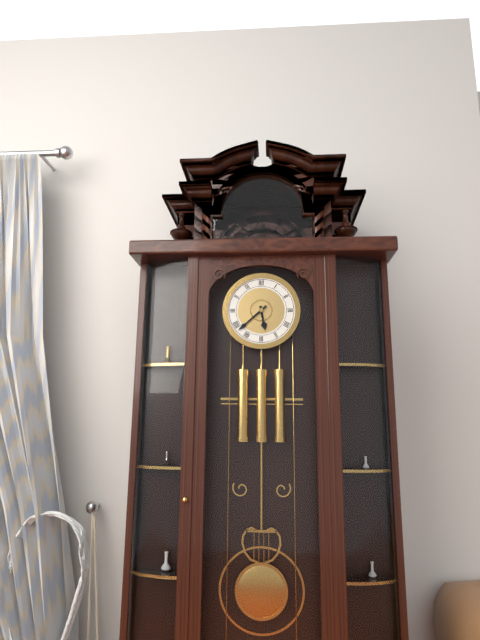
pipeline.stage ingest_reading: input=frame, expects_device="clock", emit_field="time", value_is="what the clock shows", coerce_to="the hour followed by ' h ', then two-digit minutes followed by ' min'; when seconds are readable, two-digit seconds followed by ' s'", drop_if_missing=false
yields 5 h 38 min
